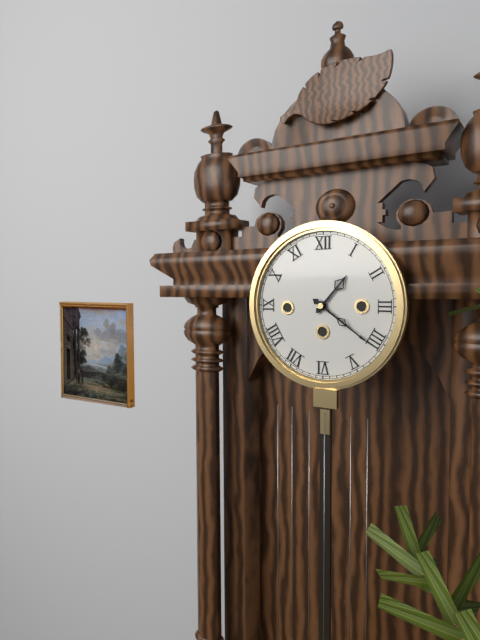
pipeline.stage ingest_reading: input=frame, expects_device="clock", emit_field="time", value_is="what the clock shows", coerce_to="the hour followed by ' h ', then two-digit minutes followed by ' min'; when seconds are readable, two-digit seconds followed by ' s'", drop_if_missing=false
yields 1 h 21 min
